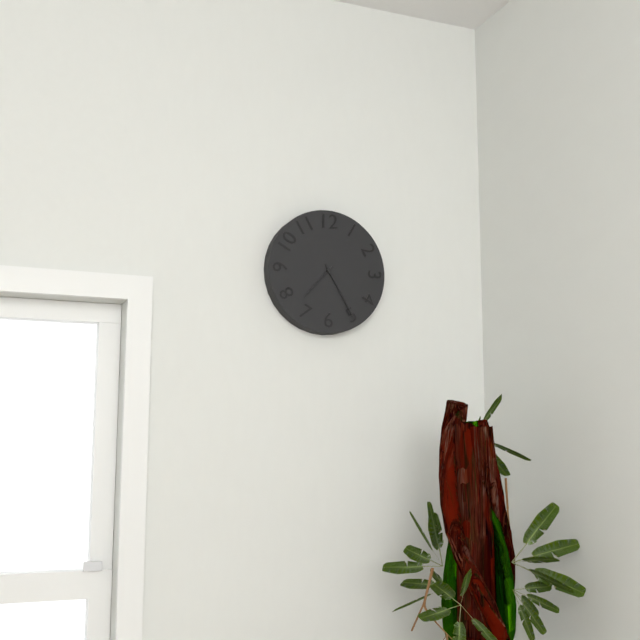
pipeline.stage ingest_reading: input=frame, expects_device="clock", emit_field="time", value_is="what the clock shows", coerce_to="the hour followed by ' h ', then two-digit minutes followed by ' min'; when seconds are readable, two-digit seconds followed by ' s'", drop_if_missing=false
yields 7 h 25 min
